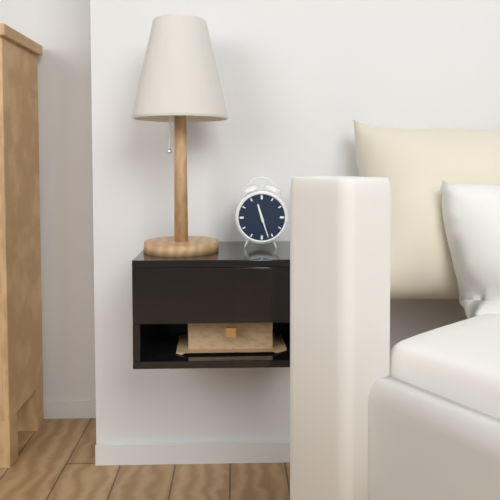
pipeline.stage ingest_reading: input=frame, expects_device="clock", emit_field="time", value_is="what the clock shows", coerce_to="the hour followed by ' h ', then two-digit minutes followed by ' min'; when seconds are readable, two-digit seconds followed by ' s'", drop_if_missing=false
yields 11 h 27 min
